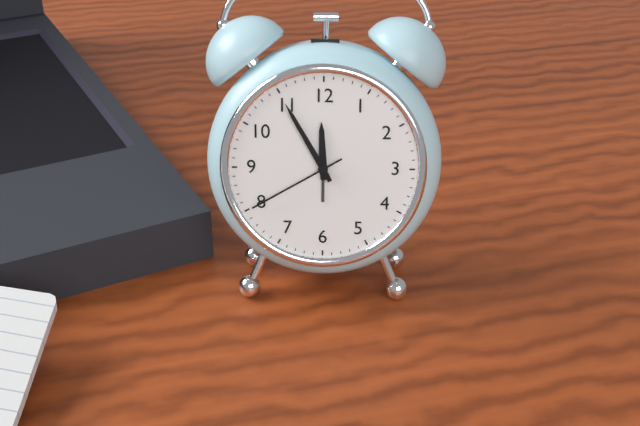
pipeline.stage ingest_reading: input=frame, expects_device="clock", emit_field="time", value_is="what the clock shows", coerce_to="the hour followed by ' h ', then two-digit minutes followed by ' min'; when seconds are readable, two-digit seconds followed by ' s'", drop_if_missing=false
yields 11 h 55 min 40 s
